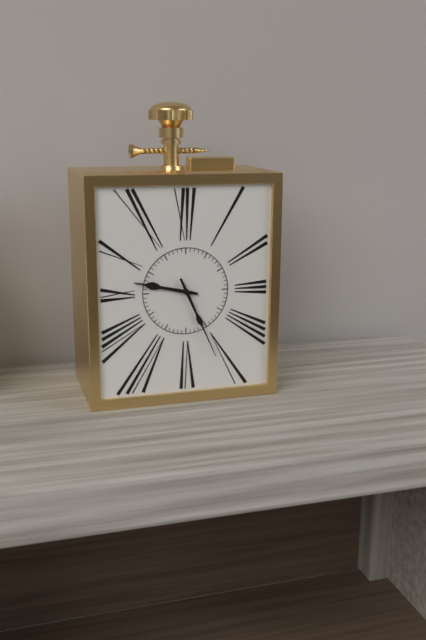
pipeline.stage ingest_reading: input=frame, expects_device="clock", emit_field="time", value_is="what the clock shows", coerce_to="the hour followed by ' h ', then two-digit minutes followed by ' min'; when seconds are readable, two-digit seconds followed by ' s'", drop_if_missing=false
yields 9 h 26 min
